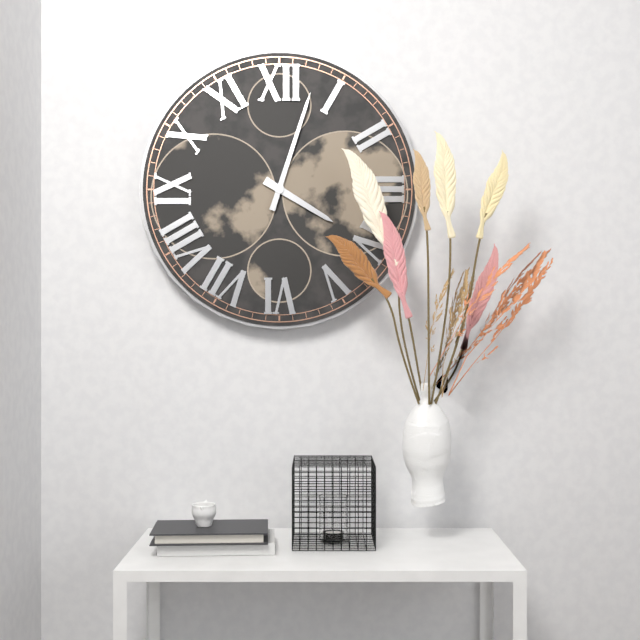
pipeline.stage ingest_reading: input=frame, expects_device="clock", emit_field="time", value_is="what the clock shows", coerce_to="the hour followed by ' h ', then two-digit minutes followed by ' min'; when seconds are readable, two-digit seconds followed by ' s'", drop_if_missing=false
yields 4 h 03 min
